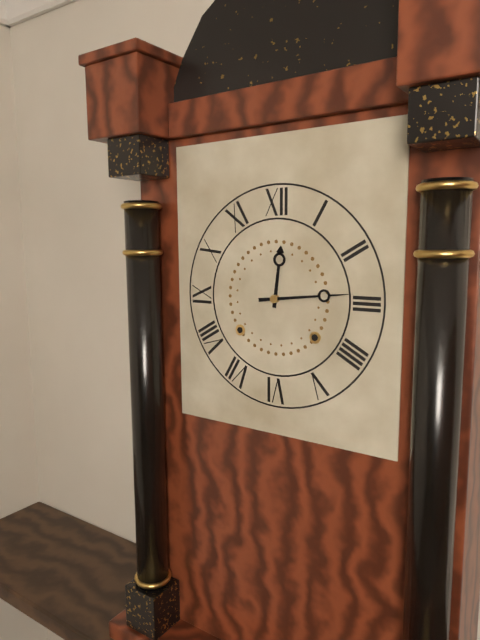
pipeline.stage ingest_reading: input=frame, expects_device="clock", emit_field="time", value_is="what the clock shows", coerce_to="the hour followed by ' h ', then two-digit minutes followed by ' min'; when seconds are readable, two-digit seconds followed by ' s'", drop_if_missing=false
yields 12 h 14 min
